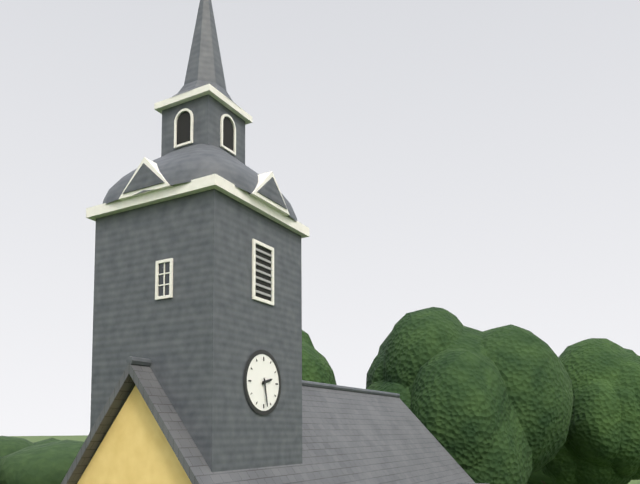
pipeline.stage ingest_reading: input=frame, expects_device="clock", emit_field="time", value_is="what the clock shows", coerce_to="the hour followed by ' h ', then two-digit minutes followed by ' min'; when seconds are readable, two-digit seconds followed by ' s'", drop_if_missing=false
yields 2 h 28 min
